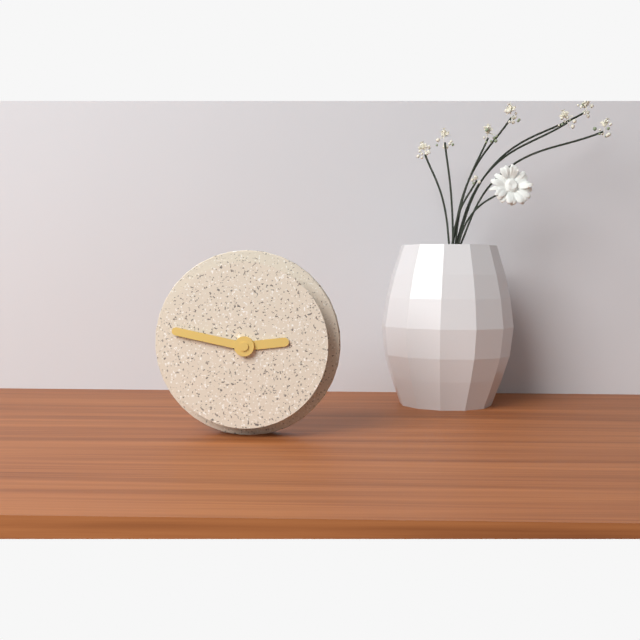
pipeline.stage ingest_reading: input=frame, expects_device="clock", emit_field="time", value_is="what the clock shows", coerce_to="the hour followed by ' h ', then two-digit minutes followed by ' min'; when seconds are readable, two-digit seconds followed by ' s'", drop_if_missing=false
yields 2 h 47 min
